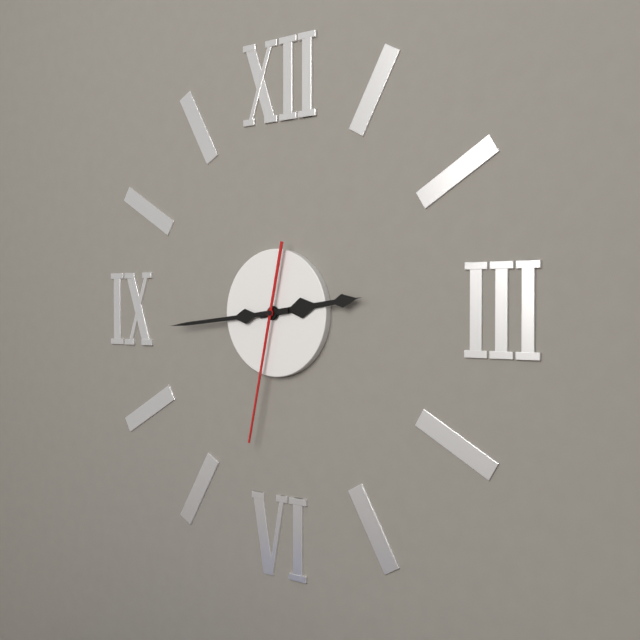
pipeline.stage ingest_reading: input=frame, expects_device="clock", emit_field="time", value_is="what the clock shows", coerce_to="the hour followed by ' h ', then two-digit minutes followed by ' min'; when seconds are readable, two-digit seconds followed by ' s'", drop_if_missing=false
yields 2 h 44 min 32 s
